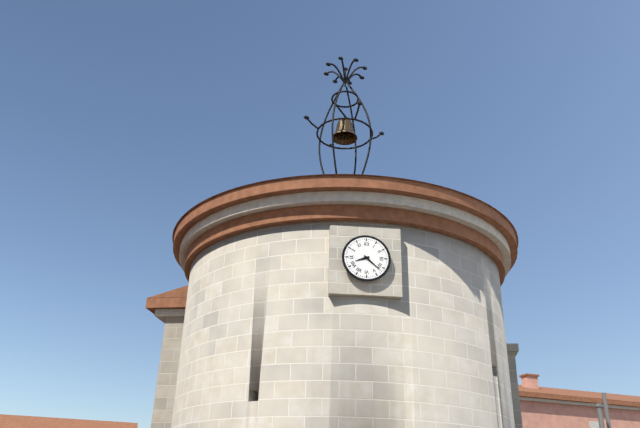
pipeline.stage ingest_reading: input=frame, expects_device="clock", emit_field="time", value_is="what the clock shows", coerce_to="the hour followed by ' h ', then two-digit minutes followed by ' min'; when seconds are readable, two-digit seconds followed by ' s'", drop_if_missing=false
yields 8 h 22 min
